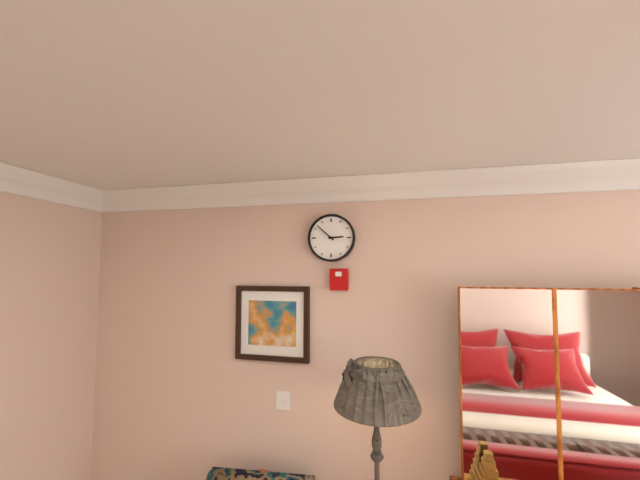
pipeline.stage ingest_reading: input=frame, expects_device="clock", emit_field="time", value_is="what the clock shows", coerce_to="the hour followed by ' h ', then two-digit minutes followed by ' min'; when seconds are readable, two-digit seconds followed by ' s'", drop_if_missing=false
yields 2 h 52 min
